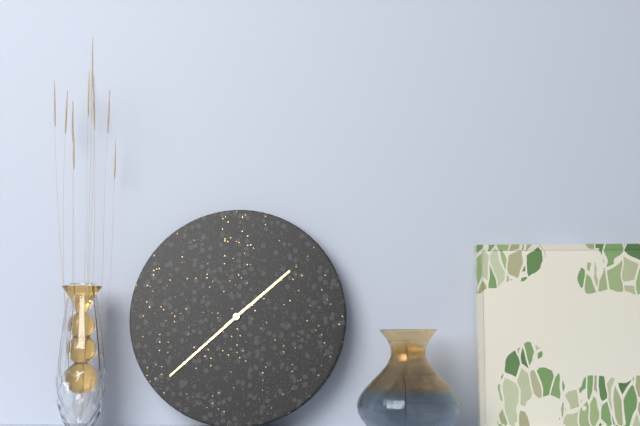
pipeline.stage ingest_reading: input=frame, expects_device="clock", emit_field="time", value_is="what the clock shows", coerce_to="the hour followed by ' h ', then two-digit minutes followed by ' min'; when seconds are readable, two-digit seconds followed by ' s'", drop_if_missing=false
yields 1 h 38 min
